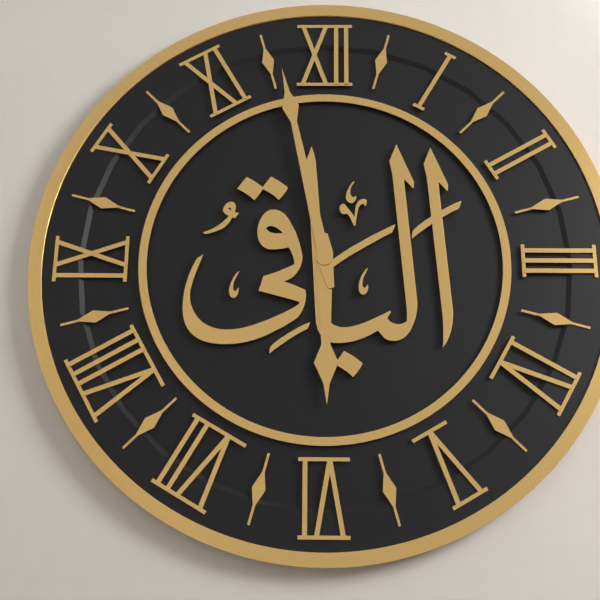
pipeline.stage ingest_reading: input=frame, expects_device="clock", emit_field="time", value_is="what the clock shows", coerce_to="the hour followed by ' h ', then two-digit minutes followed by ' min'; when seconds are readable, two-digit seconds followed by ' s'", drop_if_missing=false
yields 5 h 58 min
